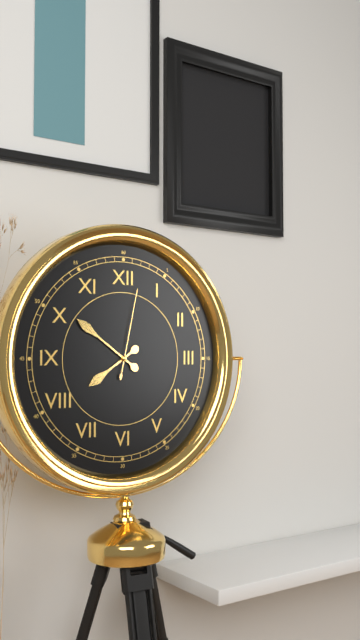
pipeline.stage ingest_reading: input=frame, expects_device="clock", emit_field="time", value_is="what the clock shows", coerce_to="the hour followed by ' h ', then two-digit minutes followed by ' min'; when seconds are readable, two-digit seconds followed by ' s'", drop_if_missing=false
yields 7 h 51 min 02 s
